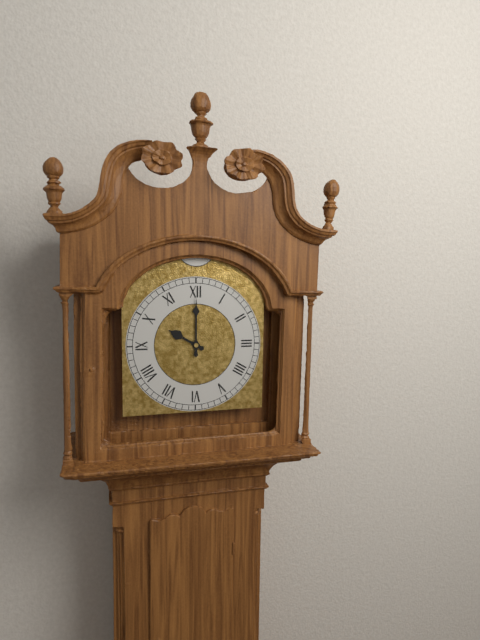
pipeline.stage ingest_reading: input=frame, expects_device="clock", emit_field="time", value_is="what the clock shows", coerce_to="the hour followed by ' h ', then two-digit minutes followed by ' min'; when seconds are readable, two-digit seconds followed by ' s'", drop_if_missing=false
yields 10 h 00 min
